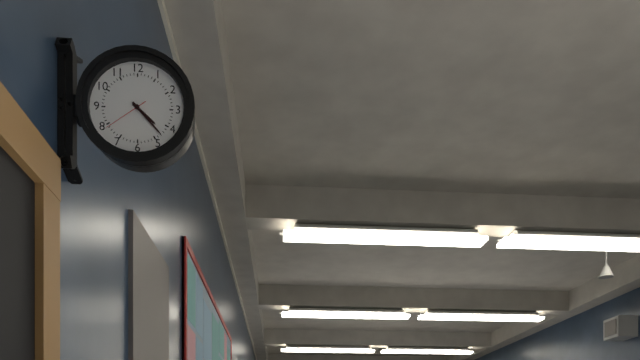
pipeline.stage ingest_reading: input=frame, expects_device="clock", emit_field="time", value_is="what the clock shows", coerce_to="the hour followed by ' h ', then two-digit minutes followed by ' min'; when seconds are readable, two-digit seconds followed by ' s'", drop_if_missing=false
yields 4 h 23 min
